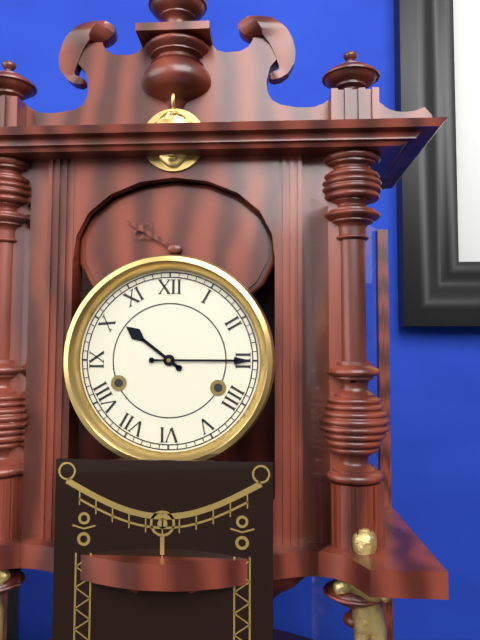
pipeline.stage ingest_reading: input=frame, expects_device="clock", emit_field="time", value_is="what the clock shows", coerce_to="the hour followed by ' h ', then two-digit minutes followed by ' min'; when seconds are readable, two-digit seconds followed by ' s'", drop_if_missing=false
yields 10 h 15 min
